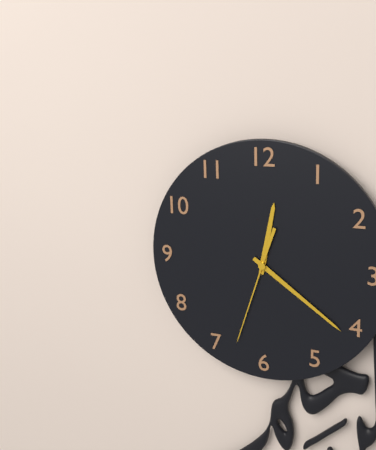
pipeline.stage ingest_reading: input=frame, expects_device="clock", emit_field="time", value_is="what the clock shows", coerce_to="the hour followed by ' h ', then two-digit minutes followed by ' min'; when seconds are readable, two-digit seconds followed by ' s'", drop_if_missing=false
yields 12 h 21 min 33 s
